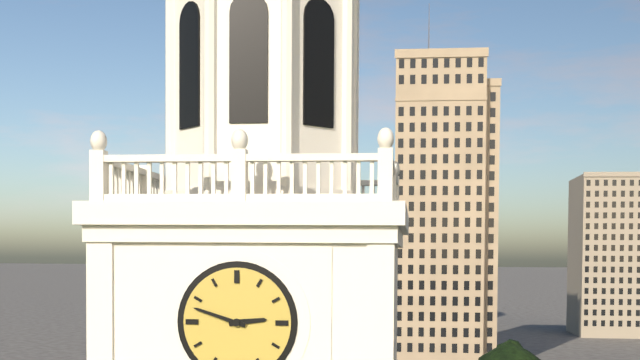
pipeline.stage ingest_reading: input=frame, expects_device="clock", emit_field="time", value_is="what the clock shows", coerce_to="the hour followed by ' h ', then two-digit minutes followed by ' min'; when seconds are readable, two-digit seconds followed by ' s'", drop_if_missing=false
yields 2 h 48 min
